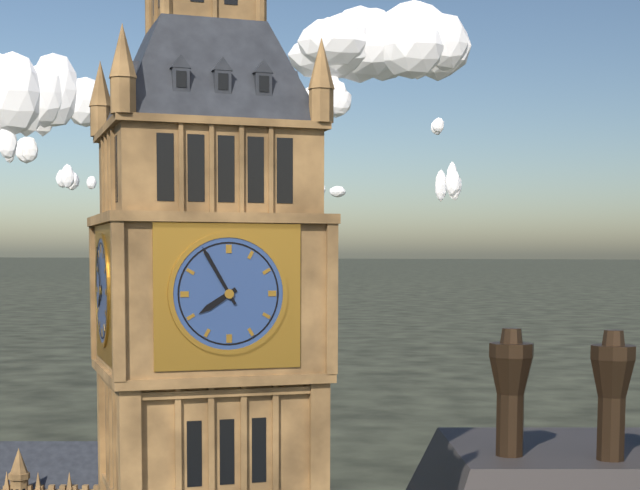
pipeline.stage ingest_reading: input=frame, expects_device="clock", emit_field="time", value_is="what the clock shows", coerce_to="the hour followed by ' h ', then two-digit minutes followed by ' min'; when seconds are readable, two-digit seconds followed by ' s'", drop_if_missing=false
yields 7 h 55 min
